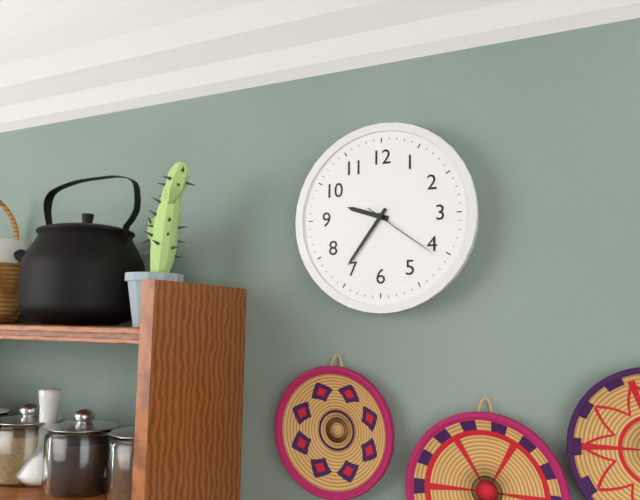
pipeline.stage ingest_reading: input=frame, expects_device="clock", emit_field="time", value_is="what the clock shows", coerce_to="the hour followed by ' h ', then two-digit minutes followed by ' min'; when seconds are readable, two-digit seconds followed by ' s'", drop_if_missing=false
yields 9 h 36 min 21 s
